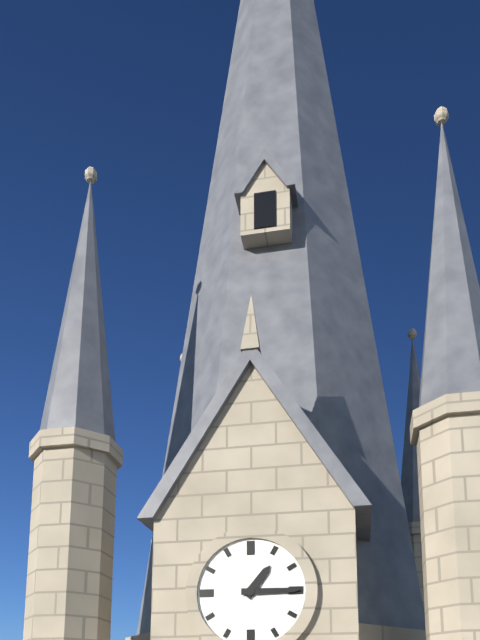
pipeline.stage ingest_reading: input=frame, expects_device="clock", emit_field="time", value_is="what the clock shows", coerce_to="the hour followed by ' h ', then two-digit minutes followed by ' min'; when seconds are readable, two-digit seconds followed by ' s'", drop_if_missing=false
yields 1 h 15 min
